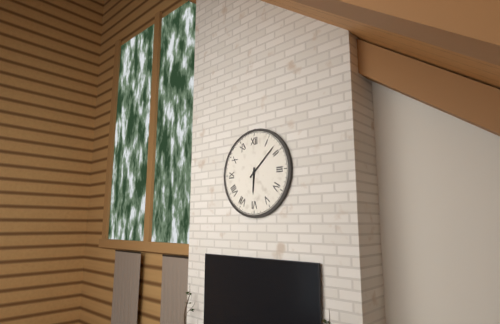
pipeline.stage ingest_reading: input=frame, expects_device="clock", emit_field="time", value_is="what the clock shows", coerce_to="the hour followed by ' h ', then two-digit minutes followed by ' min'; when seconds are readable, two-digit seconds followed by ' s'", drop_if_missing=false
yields 6 h 08 min
